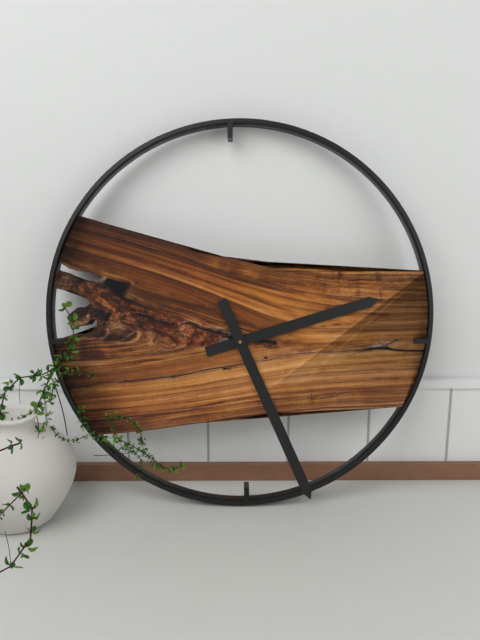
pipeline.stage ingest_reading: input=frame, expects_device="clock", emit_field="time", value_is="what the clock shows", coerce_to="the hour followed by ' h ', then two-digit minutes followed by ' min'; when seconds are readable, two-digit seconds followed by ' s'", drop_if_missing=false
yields 2 h 26 min
